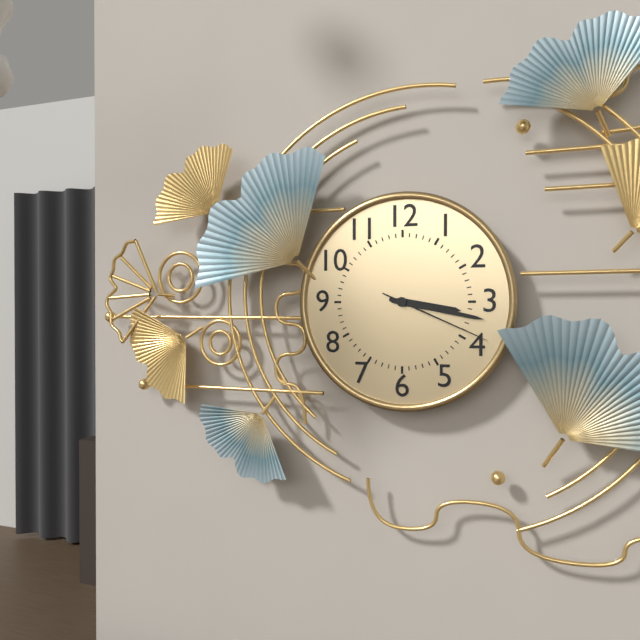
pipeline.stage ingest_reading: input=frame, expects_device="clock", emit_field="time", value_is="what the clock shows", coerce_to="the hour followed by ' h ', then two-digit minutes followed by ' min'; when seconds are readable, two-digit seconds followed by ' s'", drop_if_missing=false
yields 3 h 17 min 19 s
